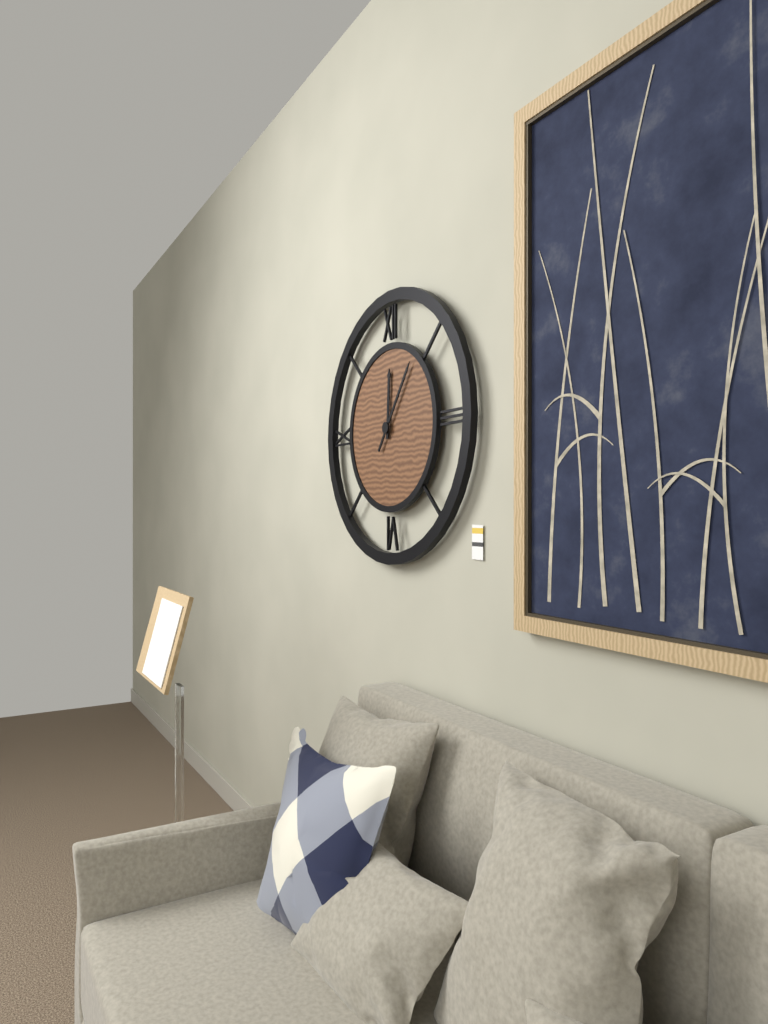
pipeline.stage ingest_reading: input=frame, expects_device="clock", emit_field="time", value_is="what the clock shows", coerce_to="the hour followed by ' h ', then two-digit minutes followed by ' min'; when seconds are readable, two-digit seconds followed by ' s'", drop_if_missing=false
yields 12 h 06 min
